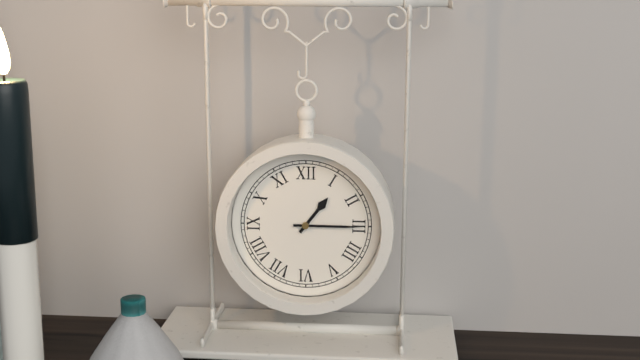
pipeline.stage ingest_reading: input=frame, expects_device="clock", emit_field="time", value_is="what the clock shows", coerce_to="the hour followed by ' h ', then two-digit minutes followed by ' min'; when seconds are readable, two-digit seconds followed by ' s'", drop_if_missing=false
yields 1 h 15 min
